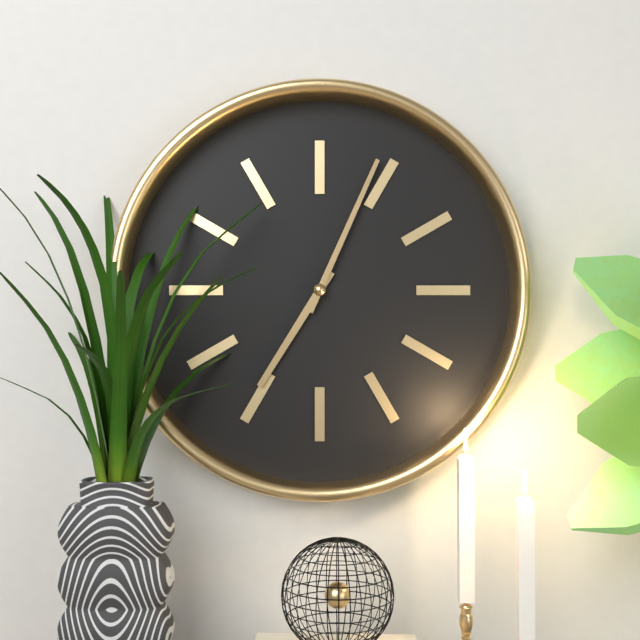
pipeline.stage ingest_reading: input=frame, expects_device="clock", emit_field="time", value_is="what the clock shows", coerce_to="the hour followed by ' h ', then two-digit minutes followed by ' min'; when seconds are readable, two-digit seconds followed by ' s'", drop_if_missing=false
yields 7 h 04 min
